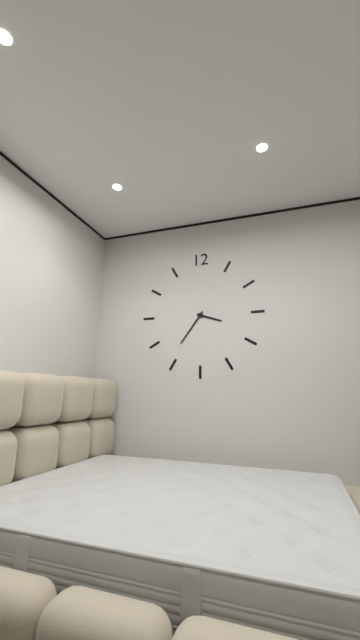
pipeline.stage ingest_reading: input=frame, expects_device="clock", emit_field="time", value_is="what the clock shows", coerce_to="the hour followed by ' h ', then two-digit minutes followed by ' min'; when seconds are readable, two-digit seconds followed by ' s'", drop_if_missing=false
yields 3 h 36 min
